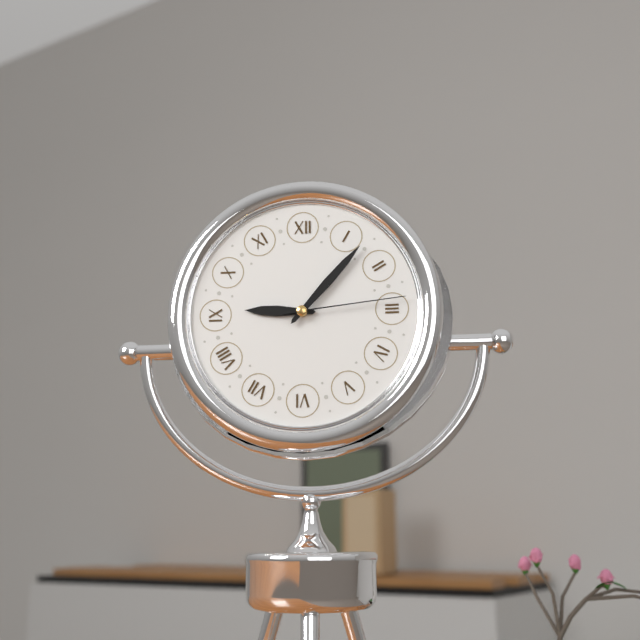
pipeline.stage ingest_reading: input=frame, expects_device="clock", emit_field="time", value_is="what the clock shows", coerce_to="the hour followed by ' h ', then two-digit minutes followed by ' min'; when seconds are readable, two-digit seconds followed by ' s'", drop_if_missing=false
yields 9 h 07 min 14 s
